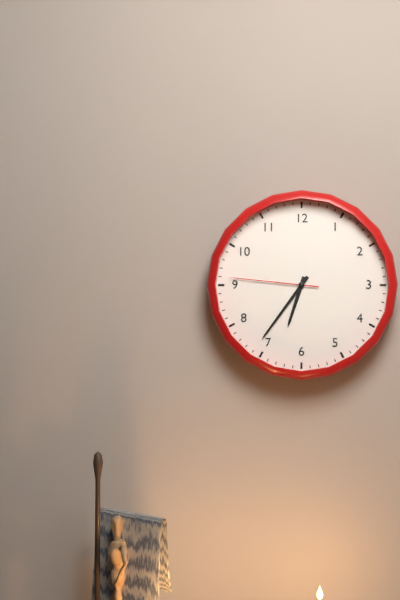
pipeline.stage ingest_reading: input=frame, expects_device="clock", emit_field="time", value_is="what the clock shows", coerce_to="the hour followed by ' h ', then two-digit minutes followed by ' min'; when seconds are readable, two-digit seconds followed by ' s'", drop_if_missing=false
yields 6 h 36 min 46 s
